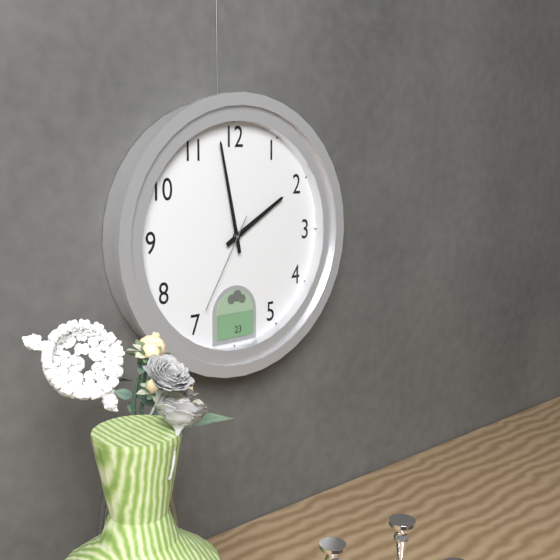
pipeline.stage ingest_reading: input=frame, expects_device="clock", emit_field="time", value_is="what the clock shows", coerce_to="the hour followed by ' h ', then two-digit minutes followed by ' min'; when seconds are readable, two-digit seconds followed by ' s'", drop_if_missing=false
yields 1 h 58 min 35 s
